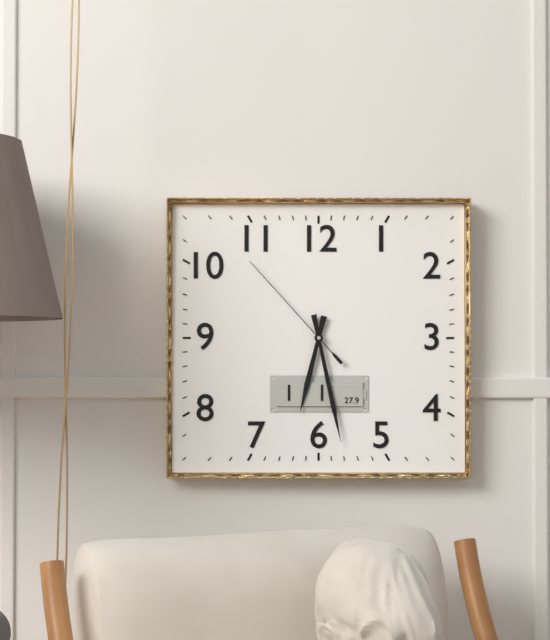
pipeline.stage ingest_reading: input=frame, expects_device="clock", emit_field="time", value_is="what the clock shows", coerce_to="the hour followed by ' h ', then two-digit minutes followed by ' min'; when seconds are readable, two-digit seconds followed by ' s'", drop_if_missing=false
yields 6 h 28 min 53 s
